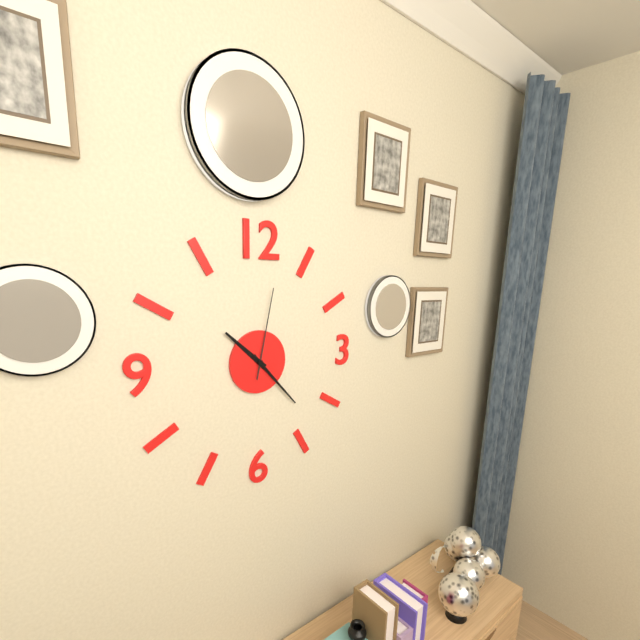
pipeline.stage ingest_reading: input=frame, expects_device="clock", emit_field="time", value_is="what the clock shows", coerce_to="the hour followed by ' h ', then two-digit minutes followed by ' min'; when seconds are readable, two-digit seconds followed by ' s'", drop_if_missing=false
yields 10 h 23 min 02 s
